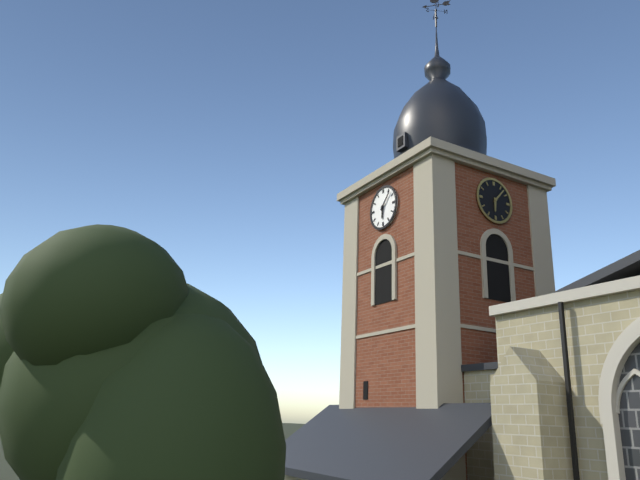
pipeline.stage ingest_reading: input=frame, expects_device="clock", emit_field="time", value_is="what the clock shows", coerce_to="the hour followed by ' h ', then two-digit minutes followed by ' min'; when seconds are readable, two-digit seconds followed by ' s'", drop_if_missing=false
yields 6 h 07 min
